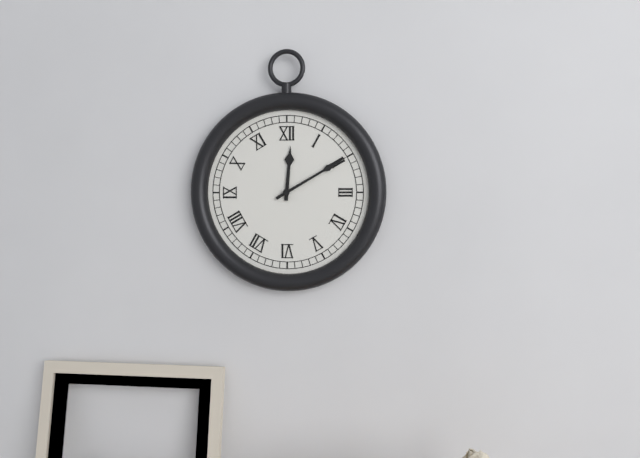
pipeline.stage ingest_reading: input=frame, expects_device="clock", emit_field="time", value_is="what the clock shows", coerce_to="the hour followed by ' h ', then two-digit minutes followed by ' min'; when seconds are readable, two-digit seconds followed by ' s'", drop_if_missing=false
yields 12 h 10 min
